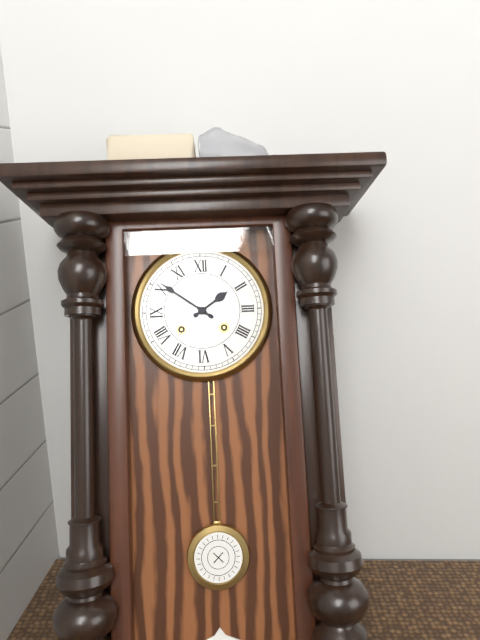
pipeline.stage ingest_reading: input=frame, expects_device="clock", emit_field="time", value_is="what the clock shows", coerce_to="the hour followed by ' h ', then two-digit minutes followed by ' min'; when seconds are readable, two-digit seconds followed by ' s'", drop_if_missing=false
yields 1 h 51 min
